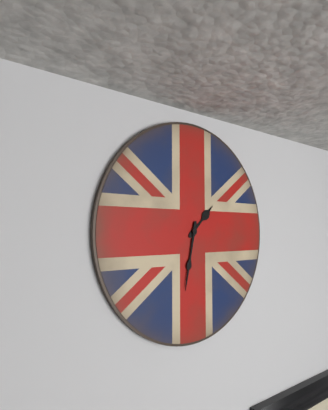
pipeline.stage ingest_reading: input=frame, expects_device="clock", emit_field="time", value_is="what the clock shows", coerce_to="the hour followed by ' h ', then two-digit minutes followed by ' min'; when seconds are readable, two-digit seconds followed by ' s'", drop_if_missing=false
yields 1 h 32 min
